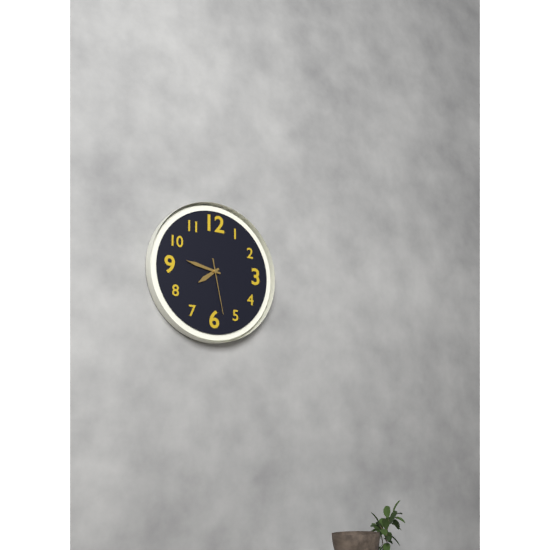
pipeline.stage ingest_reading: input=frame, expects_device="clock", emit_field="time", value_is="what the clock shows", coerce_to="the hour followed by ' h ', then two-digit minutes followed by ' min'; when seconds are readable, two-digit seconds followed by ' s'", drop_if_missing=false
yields 7 h 47 min 28 s
